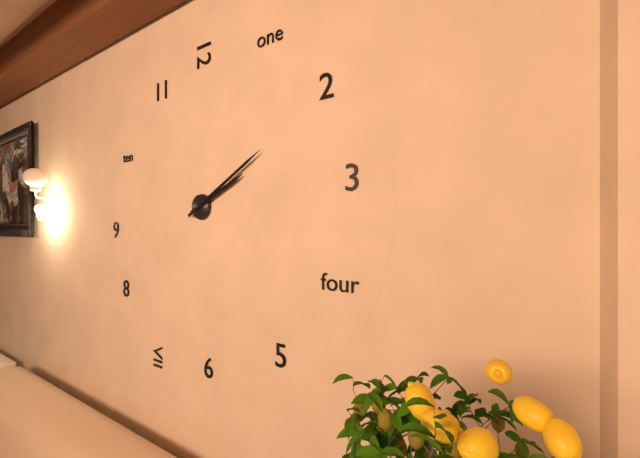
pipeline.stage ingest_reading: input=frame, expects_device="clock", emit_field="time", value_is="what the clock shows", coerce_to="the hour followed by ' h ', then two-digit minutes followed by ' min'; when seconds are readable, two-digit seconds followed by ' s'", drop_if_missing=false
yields 2 h 10 min
